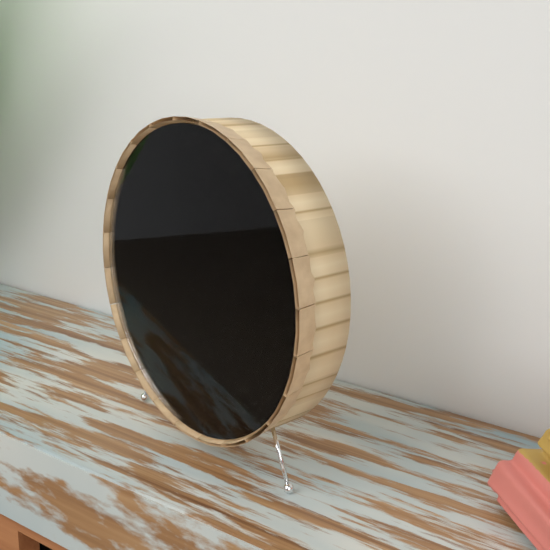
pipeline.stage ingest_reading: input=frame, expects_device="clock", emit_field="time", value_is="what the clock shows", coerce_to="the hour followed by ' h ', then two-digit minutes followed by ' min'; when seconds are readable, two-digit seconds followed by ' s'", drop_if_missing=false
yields 10 h 54 min
